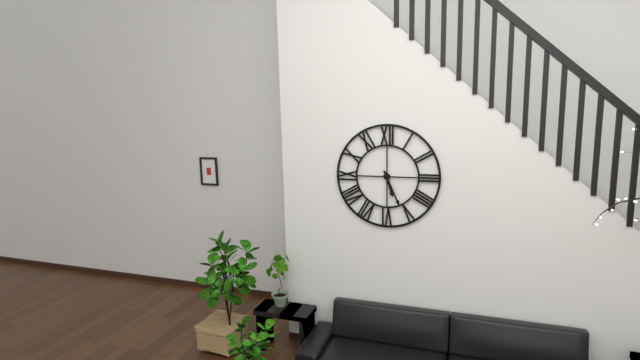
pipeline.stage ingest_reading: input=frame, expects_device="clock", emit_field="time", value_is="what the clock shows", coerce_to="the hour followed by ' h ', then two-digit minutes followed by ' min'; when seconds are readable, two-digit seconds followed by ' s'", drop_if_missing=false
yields 5 h 26 min
